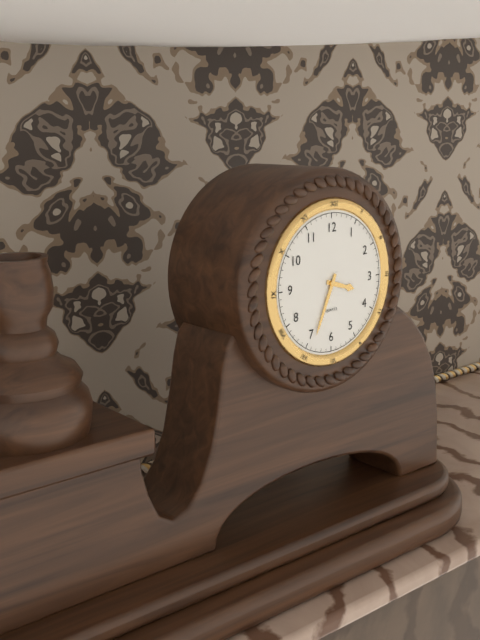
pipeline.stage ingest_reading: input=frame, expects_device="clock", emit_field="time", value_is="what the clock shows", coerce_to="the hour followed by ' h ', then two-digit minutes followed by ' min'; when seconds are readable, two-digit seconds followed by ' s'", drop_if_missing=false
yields 3 h 34 min
